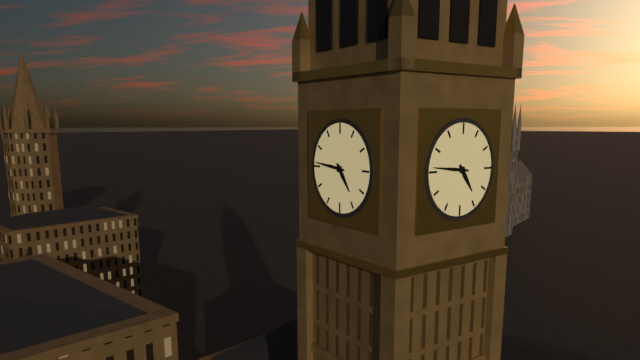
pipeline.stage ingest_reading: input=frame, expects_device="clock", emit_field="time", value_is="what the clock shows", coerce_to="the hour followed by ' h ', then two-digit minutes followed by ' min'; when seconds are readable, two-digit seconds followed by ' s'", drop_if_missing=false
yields 4 h 46 min
